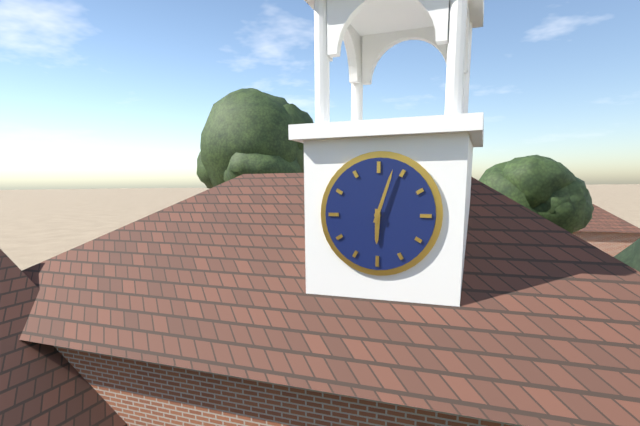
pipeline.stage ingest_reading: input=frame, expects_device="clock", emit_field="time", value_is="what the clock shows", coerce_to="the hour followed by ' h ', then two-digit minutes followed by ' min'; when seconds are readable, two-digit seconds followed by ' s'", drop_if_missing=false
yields 6 h 03 min
